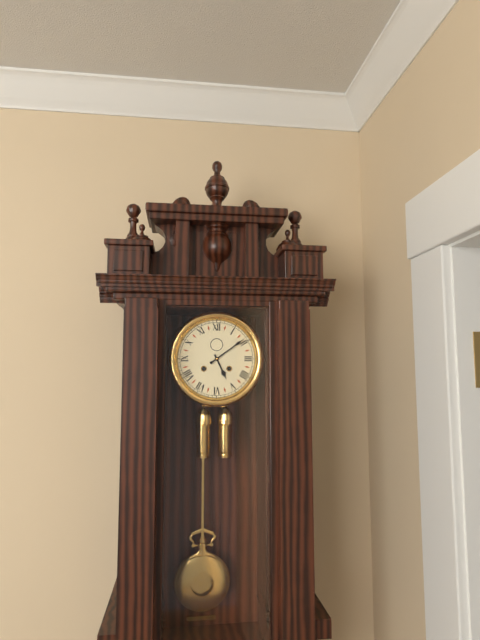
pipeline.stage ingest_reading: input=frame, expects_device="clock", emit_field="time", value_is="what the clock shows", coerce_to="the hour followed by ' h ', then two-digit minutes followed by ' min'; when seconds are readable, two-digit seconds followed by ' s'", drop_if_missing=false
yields 5 h 09 min
